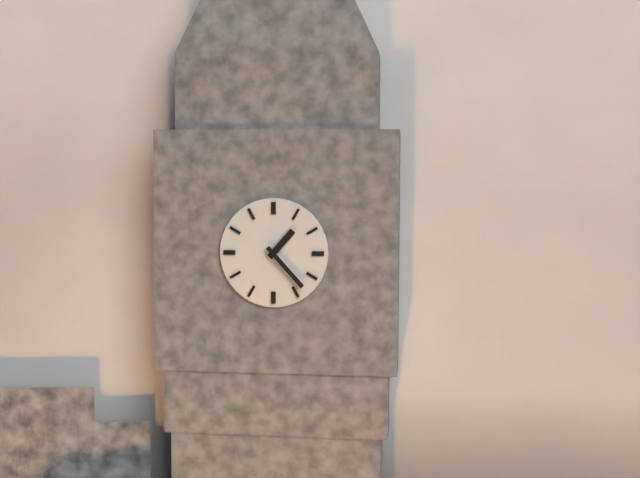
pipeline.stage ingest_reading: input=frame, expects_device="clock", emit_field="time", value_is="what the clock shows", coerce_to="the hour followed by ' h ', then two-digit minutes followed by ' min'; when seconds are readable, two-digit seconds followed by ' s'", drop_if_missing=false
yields 1 h 23 min
